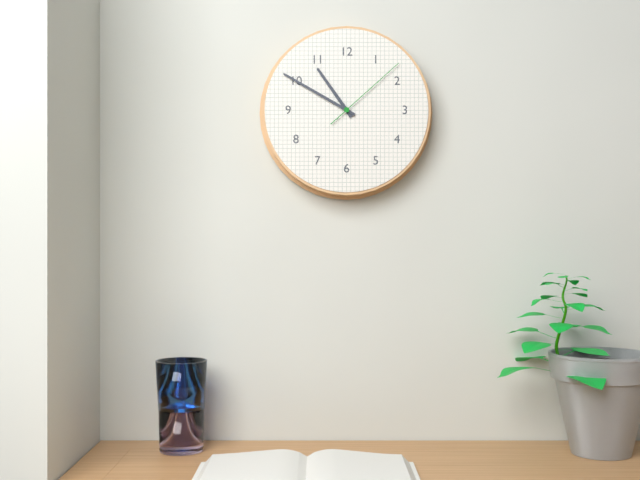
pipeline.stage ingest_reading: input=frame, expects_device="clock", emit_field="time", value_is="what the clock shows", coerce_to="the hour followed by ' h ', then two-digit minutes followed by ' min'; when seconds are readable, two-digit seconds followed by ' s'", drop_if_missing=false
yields 10 h 50 min 08 s
